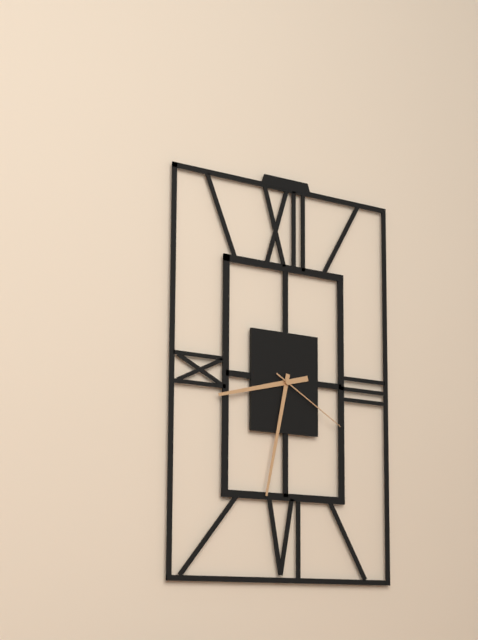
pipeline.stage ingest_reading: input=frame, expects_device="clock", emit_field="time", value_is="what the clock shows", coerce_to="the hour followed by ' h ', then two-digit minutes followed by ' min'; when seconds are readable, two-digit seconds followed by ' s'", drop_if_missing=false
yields 8 h 32 min 20 s
